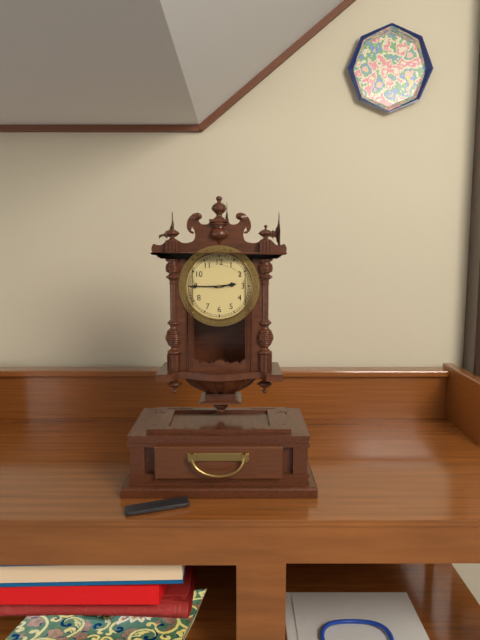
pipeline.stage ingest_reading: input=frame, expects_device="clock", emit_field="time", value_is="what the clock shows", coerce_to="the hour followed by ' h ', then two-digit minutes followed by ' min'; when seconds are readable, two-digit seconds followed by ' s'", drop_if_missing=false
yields 2 h 45 min
